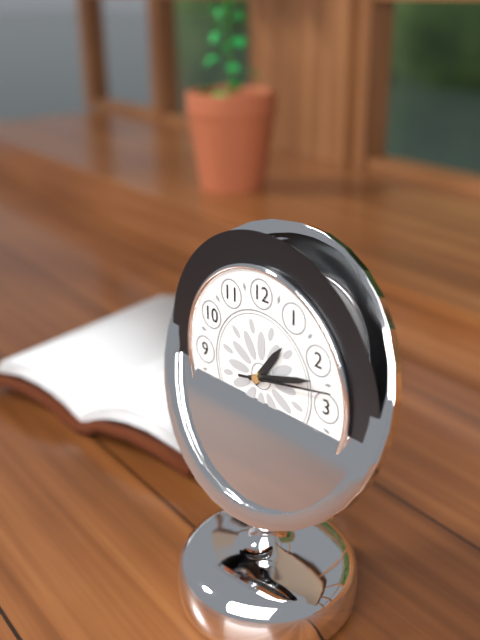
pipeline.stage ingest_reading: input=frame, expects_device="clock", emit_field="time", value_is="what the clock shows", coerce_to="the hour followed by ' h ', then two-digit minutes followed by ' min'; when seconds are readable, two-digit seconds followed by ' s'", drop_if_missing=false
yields 1 h 12 min 13 s
